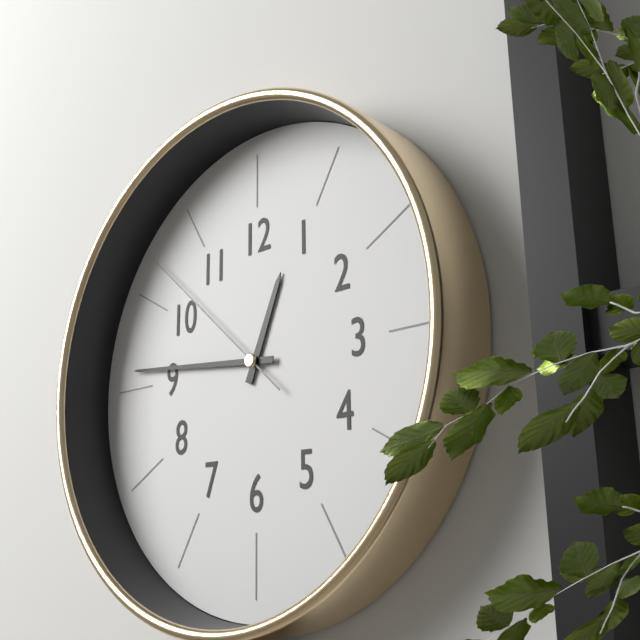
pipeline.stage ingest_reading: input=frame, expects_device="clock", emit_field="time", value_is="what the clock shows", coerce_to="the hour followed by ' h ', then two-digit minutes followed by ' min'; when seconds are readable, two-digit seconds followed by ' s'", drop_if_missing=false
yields 12 h 46 min 52 s
